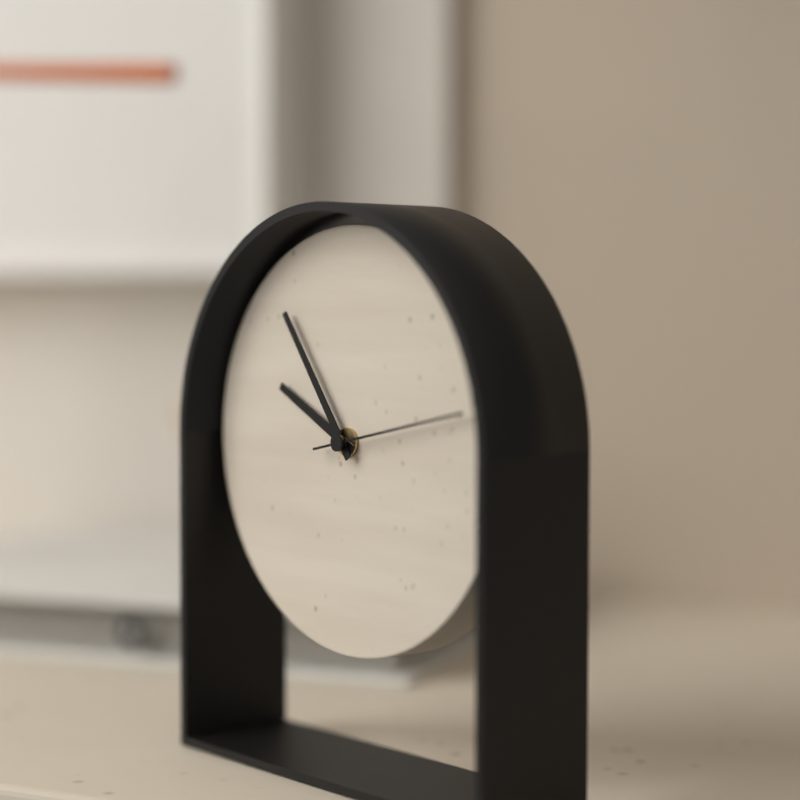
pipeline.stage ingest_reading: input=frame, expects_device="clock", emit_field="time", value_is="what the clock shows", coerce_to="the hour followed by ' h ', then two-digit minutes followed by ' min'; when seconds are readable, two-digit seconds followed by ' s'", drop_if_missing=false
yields 9 h 54 min 13 s
